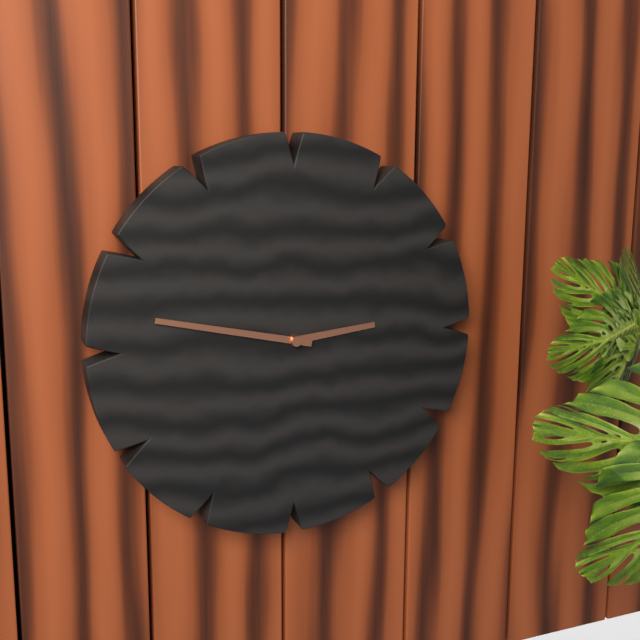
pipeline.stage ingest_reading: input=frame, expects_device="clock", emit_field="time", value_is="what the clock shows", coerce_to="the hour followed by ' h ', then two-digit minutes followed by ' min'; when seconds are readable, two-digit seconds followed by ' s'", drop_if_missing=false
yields 2 h 47 min
